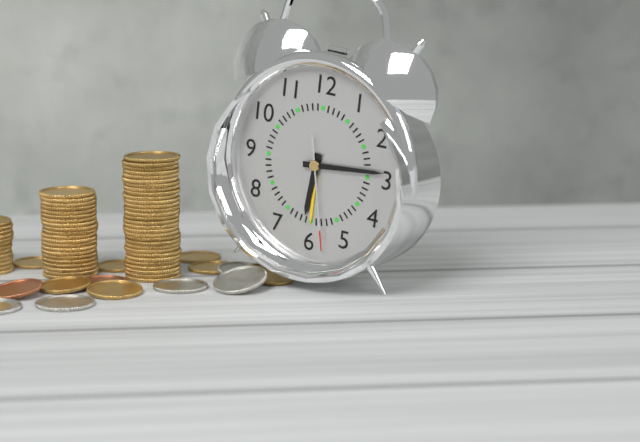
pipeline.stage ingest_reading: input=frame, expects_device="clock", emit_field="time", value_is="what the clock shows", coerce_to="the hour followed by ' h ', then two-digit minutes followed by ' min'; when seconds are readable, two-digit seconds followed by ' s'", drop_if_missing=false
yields 6 h 14 min 28 s
